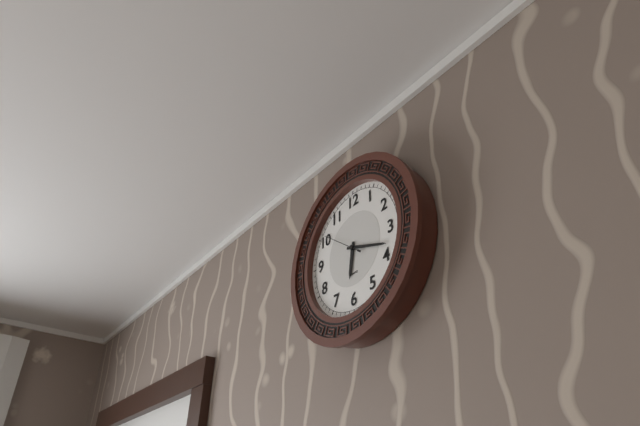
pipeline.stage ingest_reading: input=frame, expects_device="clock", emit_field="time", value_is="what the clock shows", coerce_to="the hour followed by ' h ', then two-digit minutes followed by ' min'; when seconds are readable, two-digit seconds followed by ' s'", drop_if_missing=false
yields 6 h 18 min
